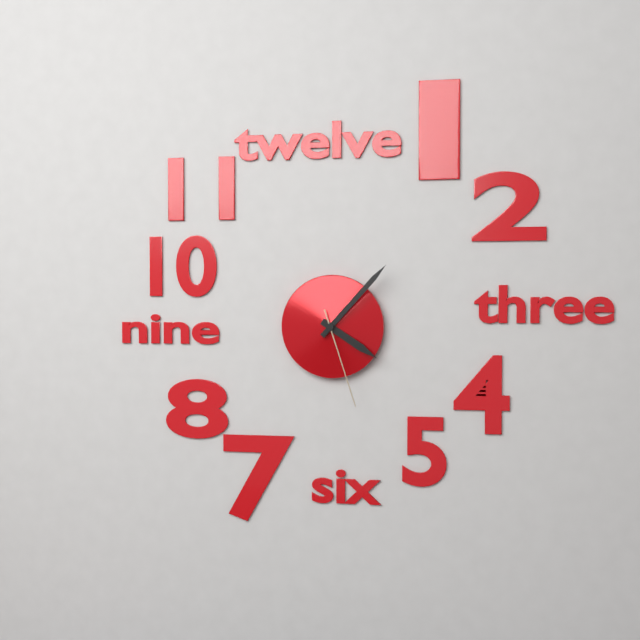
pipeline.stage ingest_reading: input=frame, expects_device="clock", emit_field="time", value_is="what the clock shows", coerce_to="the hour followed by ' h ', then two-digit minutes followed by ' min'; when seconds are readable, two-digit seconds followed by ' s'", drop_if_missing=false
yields 4 h 07 min 27 s
